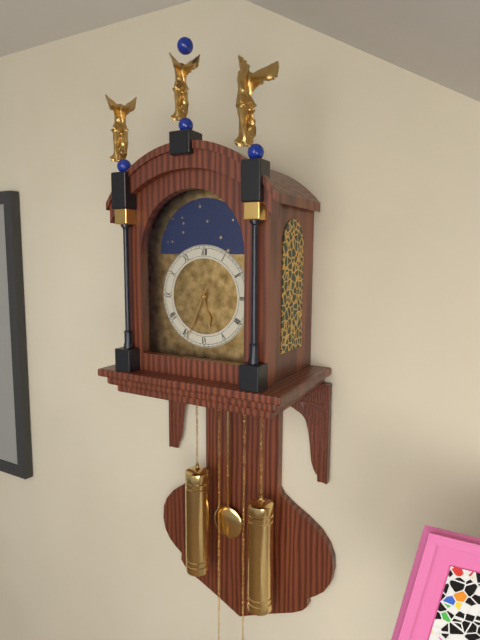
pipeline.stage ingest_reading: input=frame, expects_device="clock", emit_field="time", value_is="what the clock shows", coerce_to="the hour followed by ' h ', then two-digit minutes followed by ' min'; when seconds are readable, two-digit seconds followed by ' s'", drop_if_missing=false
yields 5 h 34 min
